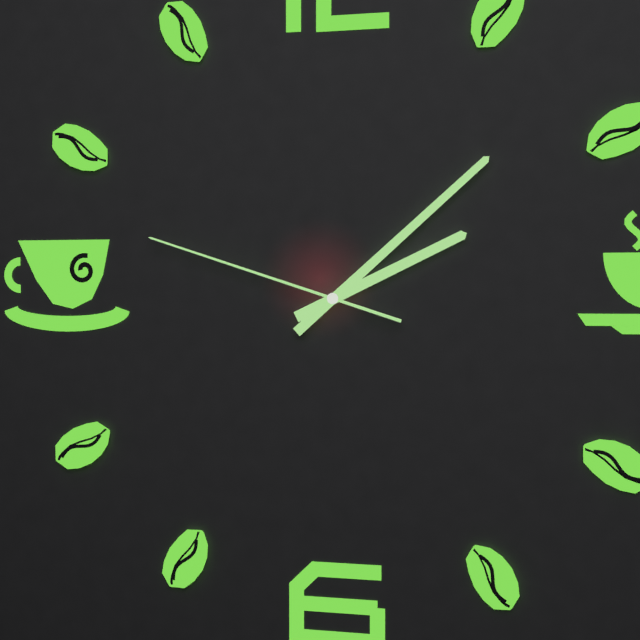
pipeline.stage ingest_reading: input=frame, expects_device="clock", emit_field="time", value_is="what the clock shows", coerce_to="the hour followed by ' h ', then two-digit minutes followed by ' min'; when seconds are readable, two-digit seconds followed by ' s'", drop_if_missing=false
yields 2 h 08 min 48 s
